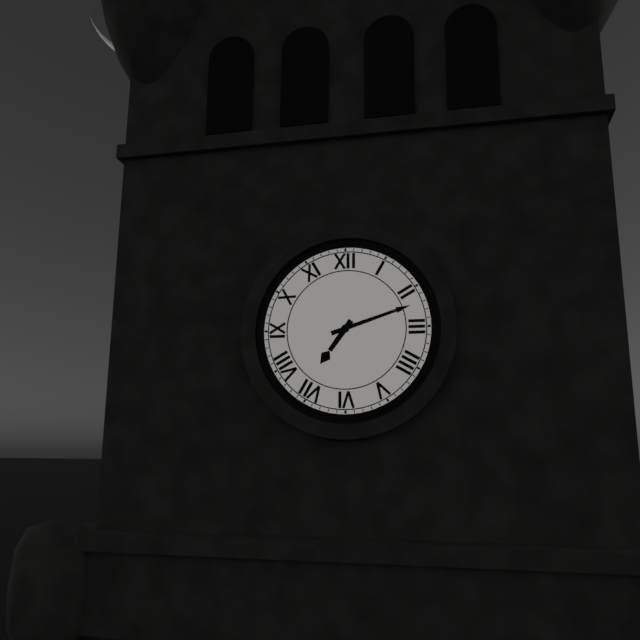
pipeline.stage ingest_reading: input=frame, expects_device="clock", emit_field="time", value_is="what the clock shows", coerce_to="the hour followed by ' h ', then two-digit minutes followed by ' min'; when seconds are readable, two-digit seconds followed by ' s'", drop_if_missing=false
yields 7 h 12 min
